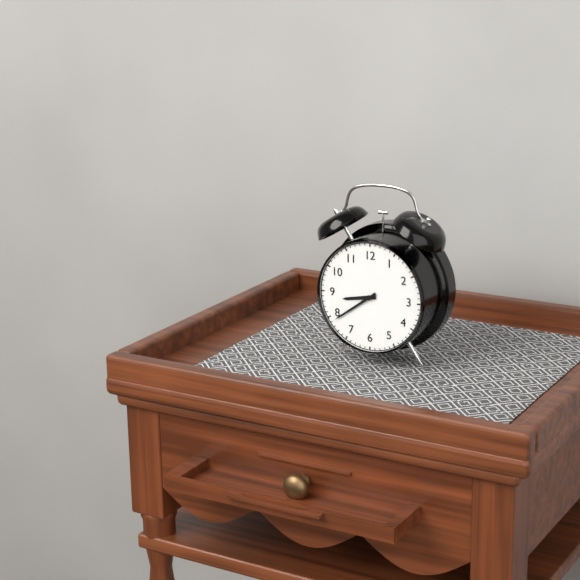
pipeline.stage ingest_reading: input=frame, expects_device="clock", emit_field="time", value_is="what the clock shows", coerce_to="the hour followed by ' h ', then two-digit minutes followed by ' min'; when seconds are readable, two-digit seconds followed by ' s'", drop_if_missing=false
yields 8 h 39 min
